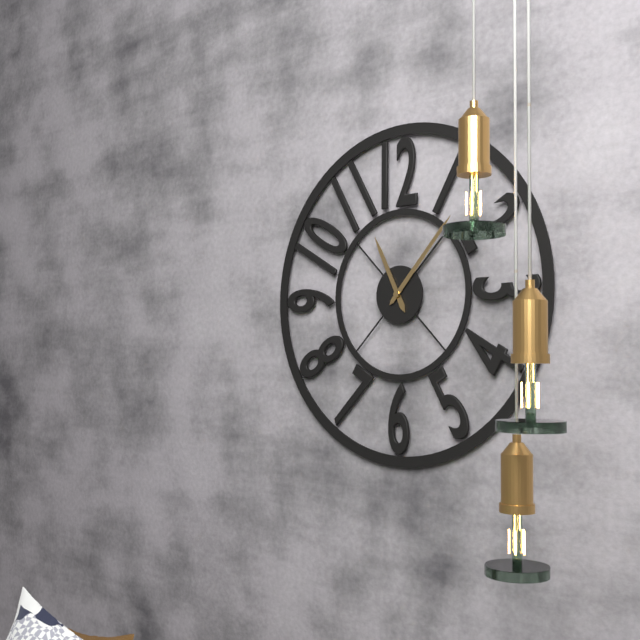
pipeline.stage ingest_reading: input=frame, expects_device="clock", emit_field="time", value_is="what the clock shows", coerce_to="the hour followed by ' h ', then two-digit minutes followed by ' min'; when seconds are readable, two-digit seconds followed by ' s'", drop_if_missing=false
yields 11 h 07 min
